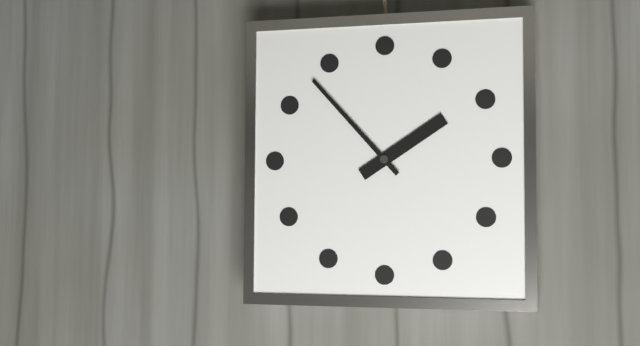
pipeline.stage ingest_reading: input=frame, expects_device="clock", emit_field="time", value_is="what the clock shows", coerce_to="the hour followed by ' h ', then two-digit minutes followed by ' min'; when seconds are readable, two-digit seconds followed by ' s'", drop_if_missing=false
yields 1 h 53 min
